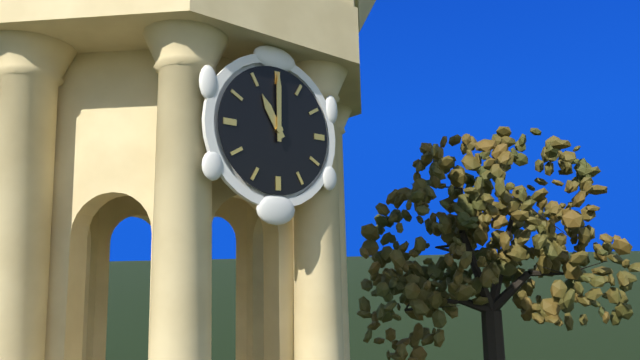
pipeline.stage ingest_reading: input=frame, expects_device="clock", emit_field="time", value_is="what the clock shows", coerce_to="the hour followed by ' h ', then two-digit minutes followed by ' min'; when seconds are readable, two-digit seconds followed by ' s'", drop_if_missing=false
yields 11 h 00 min
